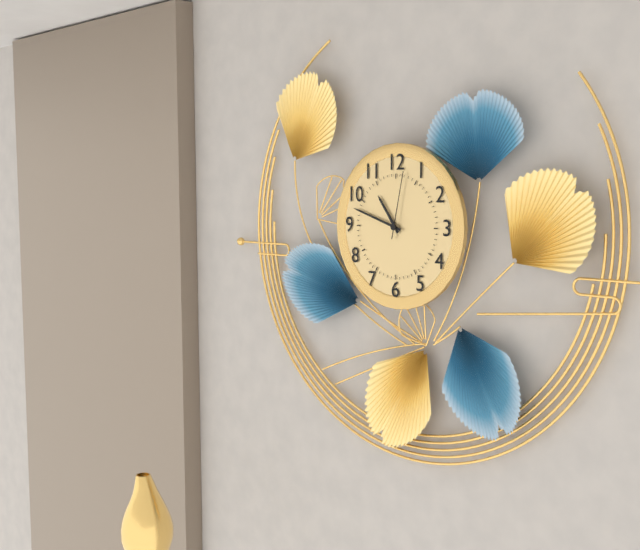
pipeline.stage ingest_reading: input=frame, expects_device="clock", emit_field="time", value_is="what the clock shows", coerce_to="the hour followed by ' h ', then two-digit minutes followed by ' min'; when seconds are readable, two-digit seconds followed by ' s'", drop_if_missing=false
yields 10 h 48 min 02 s
